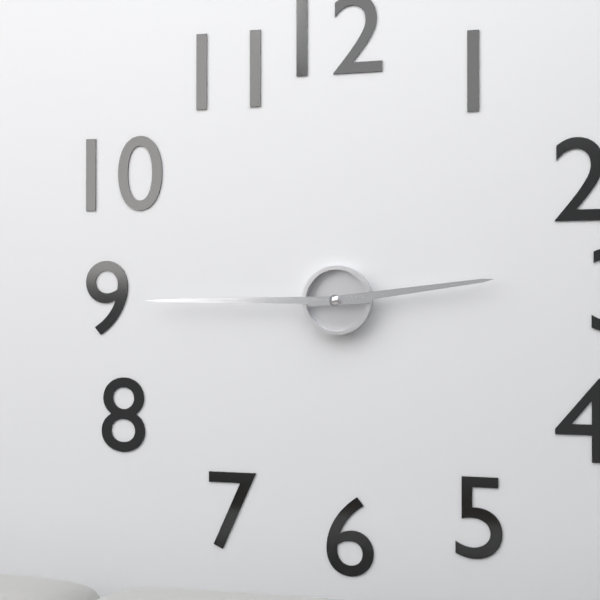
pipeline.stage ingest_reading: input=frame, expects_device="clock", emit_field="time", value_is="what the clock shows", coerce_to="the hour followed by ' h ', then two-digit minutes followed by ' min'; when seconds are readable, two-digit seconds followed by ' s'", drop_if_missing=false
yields 2 h 45 min
